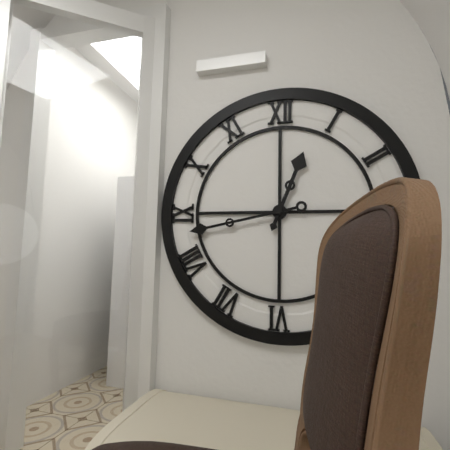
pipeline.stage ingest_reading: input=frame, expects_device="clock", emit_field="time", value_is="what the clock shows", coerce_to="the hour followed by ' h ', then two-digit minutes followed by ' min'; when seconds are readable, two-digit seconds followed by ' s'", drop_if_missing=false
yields 12 h 43 min
